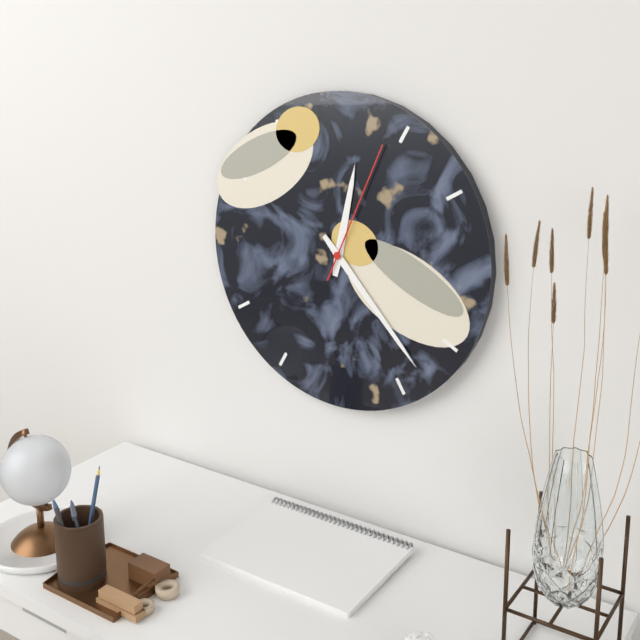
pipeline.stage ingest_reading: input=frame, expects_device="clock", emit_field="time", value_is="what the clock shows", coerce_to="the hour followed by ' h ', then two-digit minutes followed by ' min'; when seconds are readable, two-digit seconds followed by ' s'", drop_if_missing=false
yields 12 h 23 min 04 s
